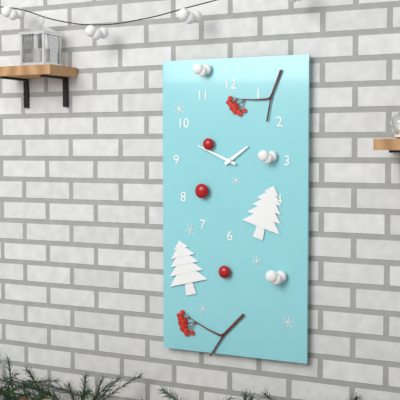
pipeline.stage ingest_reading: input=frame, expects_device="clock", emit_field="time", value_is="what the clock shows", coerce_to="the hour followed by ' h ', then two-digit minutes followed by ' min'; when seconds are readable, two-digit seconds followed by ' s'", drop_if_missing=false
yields 1 h 49 min
